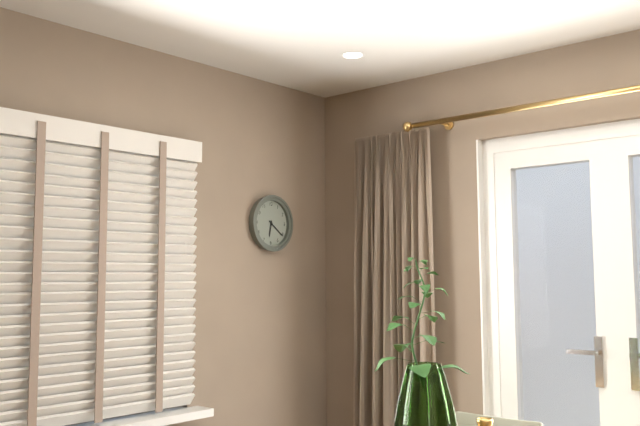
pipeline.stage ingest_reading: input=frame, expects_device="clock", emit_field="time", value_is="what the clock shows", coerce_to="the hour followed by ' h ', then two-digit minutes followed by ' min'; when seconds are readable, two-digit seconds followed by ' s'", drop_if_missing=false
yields 6 h 21 min
